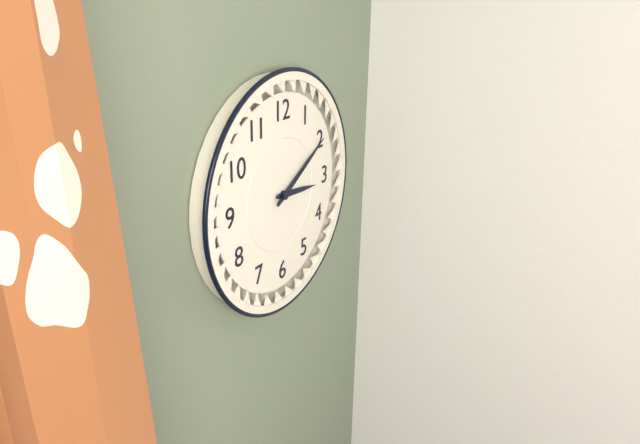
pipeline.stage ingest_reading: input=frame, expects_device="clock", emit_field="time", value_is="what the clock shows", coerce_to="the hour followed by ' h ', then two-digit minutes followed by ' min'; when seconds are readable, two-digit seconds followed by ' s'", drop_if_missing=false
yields 3 h 10 min
